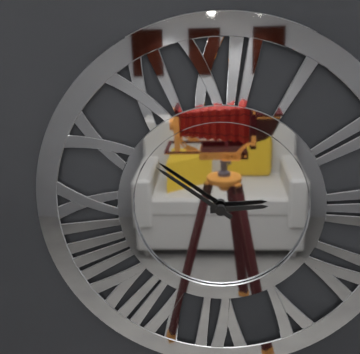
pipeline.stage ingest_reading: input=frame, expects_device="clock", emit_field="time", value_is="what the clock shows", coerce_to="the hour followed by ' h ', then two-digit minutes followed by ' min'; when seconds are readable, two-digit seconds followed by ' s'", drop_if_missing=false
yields 2 h 51 min
